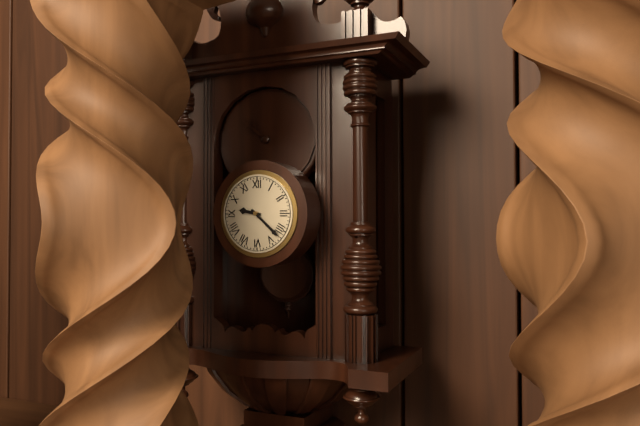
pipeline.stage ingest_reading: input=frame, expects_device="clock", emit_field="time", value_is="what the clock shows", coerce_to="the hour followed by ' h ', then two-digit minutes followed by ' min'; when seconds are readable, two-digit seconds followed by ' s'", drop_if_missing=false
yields 9 h 22 min
